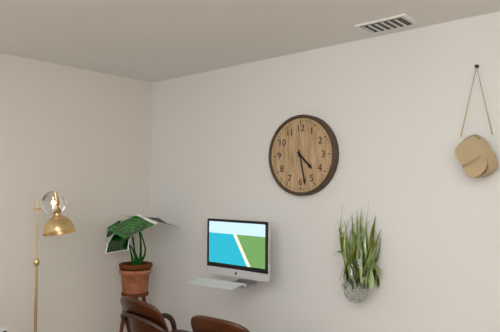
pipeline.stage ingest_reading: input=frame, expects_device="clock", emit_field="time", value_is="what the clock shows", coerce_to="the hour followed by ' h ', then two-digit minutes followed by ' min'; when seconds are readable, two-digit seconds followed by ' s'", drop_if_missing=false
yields 4 h 28 min
